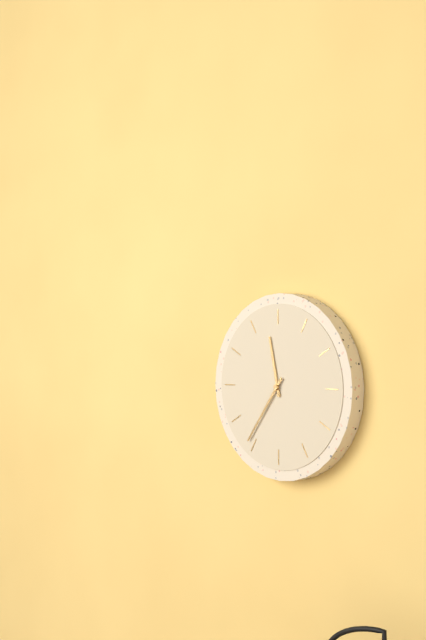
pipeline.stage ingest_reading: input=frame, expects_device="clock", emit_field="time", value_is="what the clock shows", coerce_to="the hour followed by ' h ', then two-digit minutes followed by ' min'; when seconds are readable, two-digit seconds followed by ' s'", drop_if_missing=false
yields 11 h 36 min
